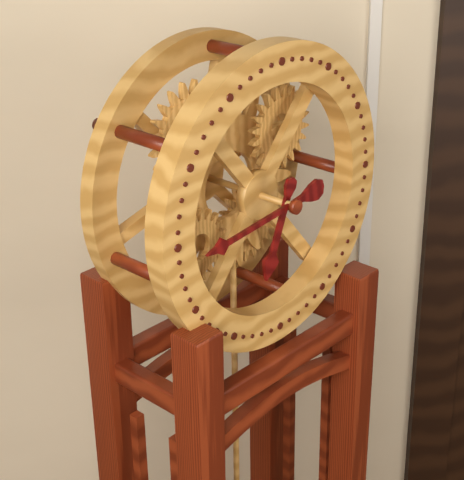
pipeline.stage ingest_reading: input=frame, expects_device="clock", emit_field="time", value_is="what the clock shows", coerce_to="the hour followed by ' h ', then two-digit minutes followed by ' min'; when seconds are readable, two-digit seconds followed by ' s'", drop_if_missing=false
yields 6 h 44 min
